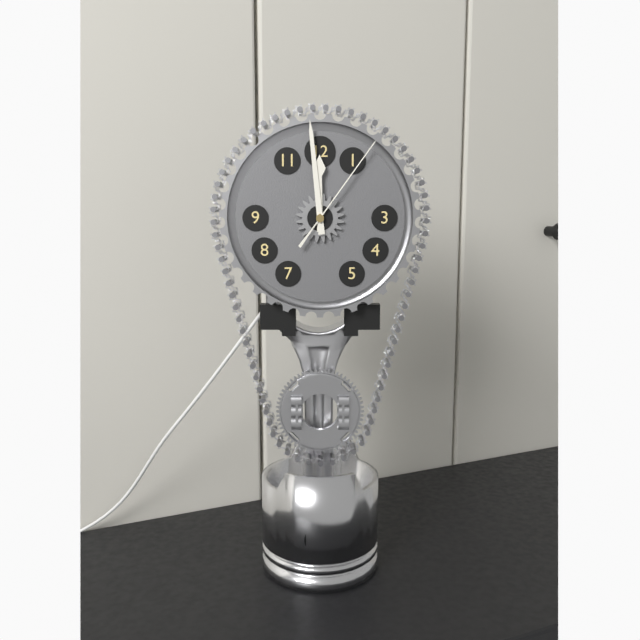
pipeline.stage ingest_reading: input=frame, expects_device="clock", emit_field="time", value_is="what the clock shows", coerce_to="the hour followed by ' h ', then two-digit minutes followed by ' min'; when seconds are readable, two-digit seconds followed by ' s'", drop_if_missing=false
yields 11 h 59 min 06 s
